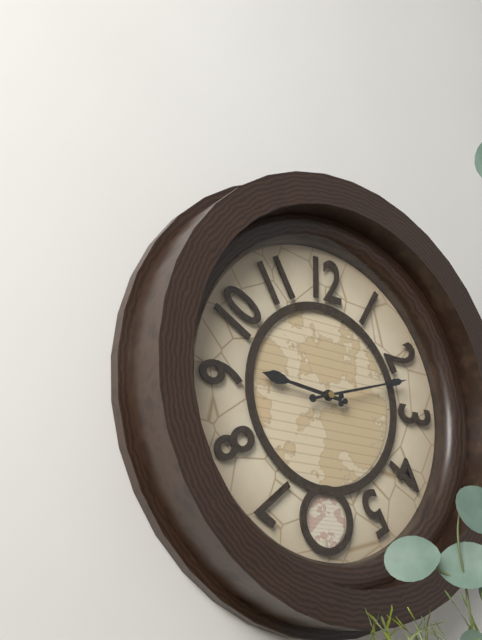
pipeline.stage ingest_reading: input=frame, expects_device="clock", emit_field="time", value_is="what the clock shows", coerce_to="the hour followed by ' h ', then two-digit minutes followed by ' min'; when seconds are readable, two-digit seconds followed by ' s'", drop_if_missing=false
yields 9 h 12 min
